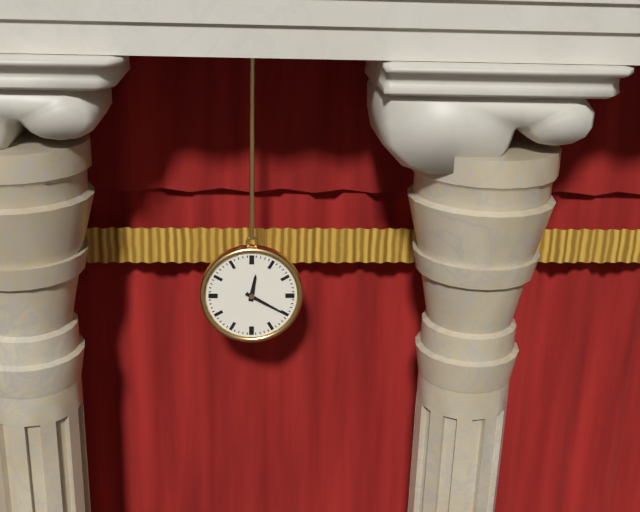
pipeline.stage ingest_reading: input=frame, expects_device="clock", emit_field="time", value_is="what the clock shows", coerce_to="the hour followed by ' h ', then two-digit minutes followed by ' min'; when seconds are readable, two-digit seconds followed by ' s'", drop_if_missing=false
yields 12 h 20 min
